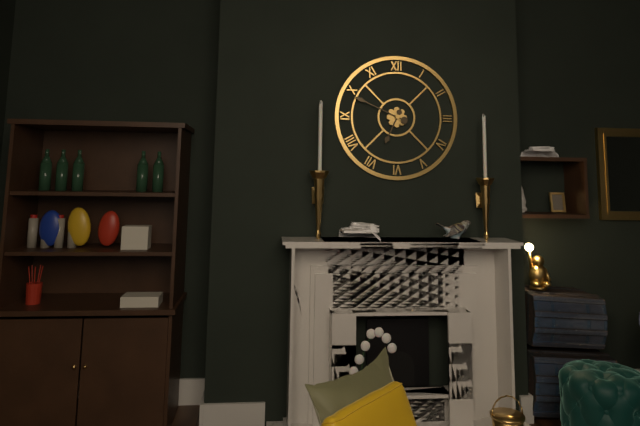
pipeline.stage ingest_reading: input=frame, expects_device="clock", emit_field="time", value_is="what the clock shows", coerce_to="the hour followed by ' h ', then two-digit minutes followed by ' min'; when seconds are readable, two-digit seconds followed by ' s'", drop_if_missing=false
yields 6 h 49 min
